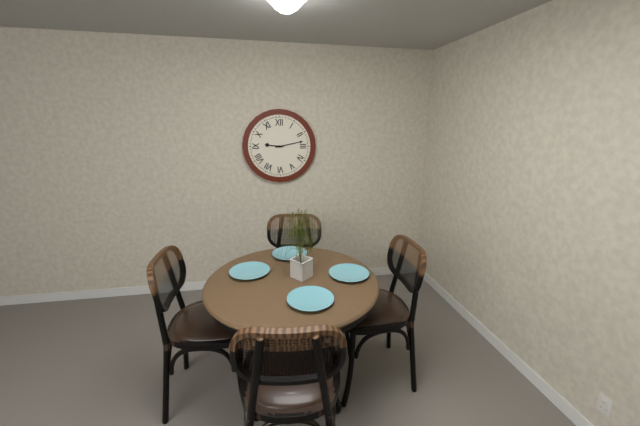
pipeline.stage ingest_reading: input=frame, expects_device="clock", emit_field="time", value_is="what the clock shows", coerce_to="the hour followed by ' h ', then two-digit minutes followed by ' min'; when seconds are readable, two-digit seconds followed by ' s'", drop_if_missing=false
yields 9 h 13 min
